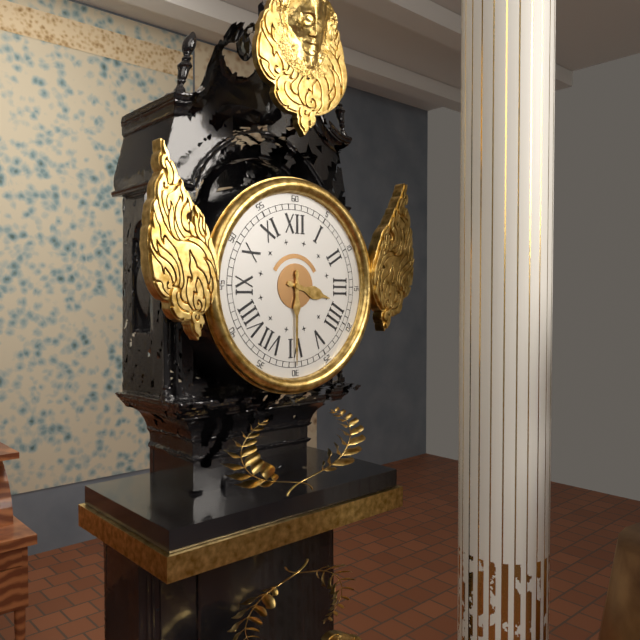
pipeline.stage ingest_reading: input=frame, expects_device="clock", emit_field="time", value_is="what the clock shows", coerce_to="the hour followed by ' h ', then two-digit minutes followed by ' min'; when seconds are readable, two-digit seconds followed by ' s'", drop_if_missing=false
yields 3 h 30 min
